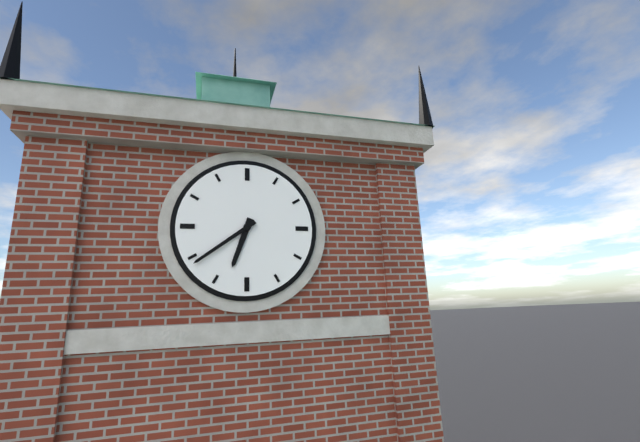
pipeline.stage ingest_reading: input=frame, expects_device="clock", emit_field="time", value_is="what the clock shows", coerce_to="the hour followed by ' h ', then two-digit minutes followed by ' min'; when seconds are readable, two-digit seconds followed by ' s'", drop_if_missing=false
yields 6 h 39 min
